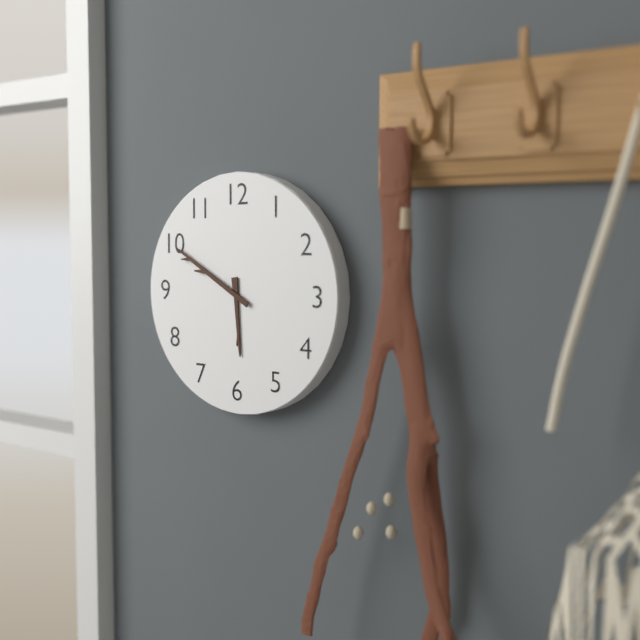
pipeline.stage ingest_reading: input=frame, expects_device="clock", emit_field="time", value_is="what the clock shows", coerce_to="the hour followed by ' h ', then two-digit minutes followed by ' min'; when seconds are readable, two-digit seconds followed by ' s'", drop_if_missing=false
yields 5 h 50 min
